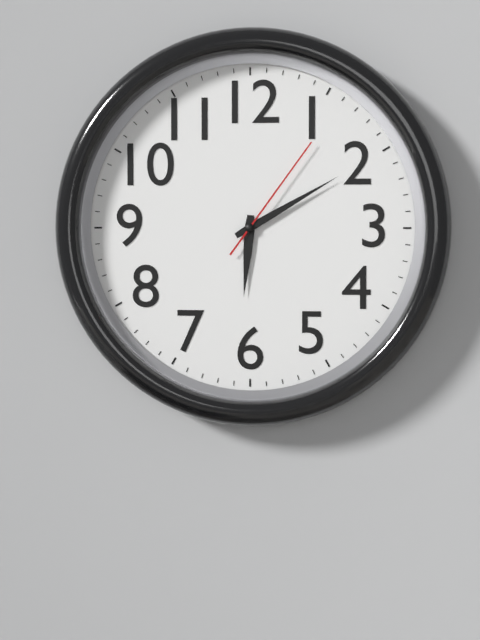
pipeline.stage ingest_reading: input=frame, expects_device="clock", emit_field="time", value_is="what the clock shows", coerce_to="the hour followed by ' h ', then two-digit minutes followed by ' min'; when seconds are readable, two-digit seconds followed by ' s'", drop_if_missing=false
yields 6 h 10 min 06 s
